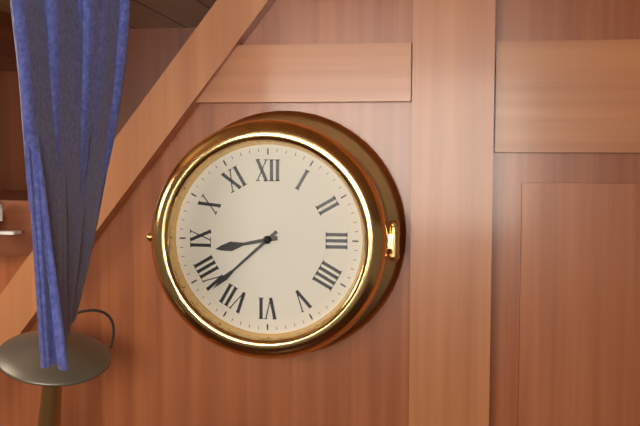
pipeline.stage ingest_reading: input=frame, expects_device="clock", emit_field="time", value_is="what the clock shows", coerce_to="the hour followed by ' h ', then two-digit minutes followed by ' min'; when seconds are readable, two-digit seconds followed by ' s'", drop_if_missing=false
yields 8 h 38 min
